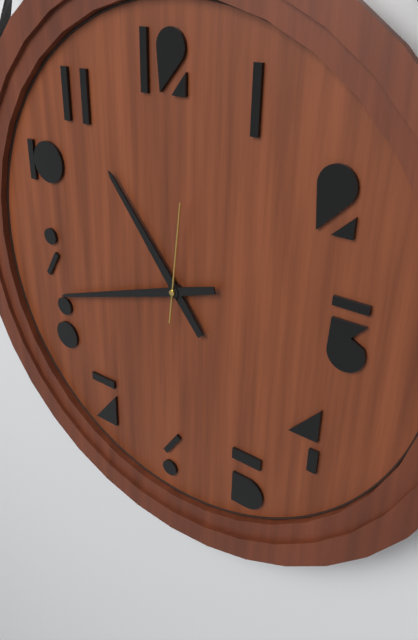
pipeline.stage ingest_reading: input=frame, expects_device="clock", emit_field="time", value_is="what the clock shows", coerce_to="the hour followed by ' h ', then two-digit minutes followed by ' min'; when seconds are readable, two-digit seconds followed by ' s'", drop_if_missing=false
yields 10 h 42 min 01 s
